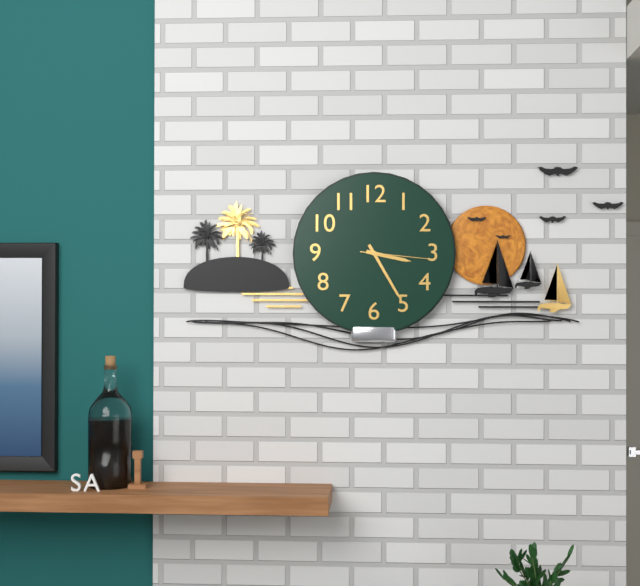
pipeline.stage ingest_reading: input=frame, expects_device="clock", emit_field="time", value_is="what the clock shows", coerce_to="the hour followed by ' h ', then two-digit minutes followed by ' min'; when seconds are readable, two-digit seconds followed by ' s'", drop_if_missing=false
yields 3 h 25 min 16 s
